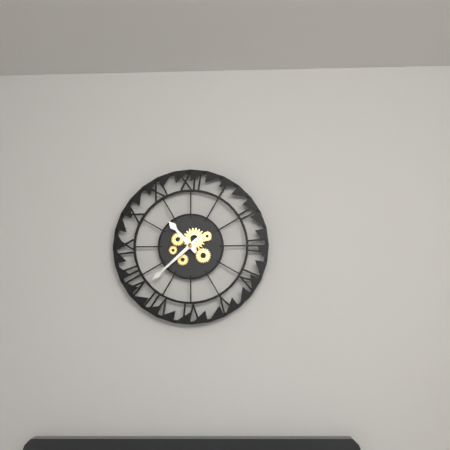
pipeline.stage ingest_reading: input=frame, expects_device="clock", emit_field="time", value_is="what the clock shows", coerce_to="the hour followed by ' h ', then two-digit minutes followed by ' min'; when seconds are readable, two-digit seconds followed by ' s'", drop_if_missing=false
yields 10 h 38 min
